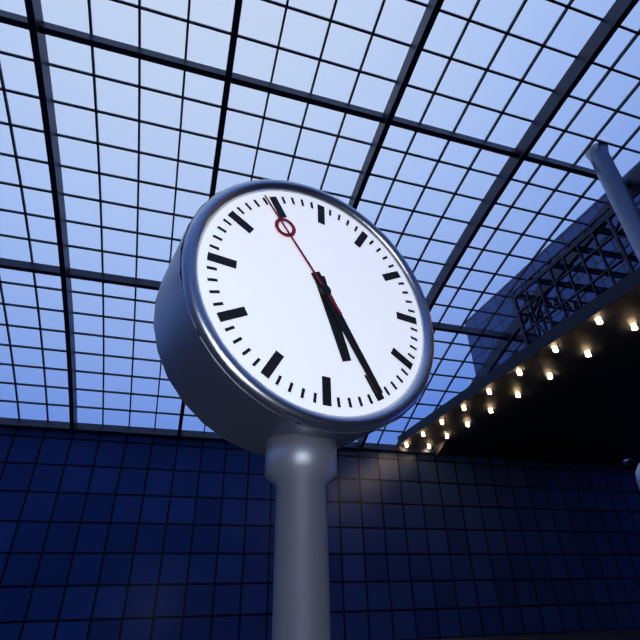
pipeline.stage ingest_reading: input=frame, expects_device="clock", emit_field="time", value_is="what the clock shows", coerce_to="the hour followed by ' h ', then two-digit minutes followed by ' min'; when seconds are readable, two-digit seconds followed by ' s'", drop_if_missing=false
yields 5 h 25 min 54 s
